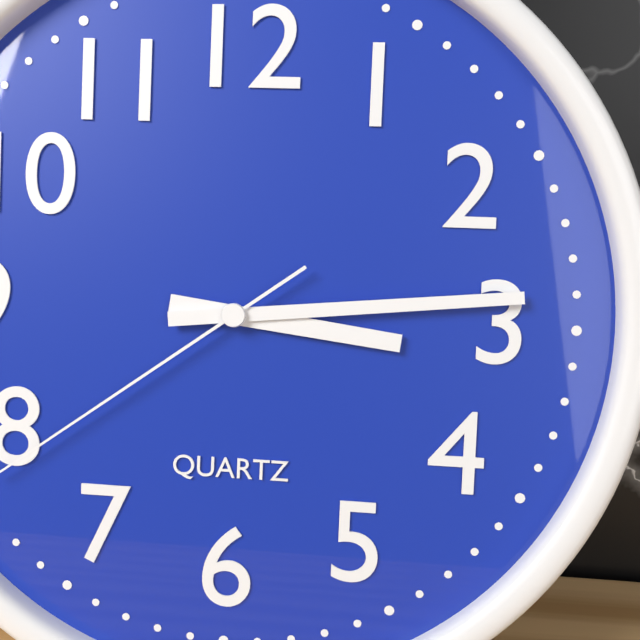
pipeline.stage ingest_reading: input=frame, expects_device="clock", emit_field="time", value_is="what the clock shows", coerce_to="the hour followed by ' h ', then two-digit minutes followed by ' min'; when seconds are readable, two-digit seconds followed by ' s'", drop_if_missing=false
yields 3 h 14 min
